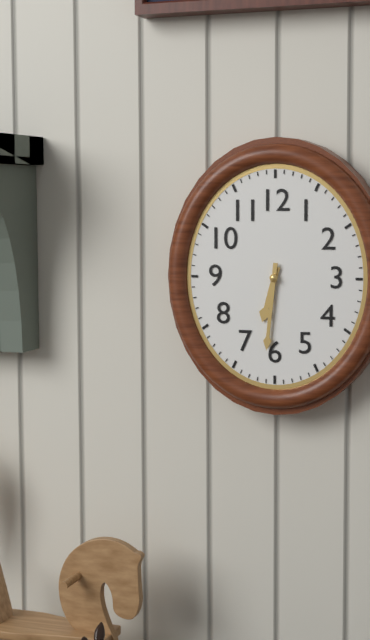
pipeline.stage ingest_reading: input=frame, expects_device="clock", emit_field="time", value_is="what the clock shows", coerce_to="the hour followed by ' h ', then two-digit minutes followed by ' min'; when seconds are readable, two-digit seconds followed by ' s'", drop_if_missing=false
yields 6 h 31 min
